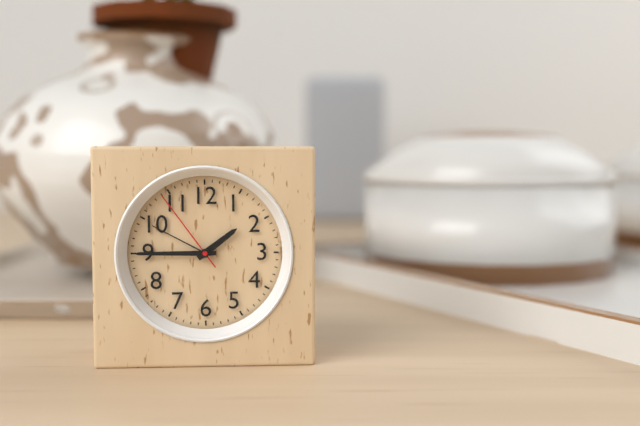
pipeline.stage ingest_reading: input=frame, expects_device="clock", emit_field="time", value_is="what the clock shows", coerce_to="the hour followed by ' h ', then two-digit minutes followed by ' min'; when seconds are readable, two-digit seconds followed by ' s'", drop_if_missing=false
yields 1 h 45 min 54 s
